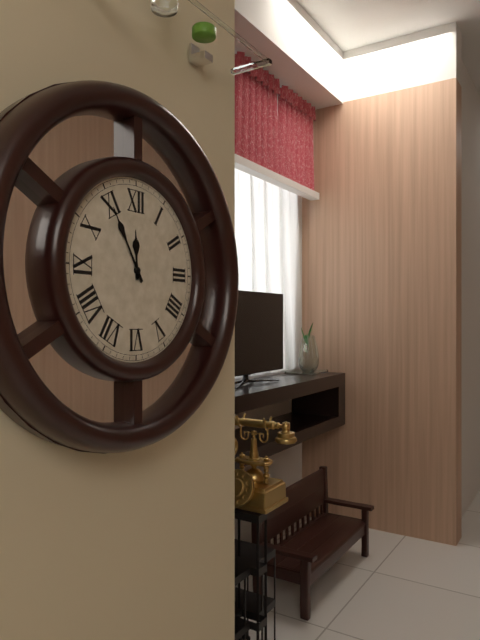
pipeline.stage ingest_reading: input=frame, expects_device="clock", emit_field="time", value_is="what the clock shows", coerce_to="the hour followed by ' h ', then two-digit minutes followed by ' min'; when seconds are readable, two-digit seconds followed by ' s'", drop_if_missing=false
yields 11 h 55 min
